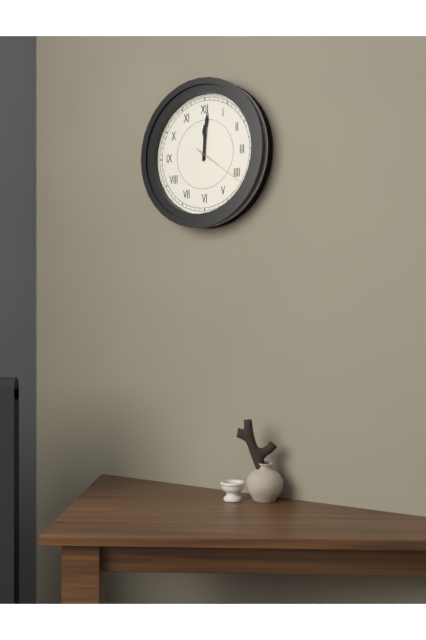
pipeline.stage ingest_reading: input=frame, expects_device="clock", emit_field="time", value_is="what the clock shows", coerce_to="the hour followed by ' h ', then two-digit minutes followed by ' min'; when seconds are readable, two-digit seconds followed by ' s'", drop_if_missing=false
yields 12 h 01 min 21 s
